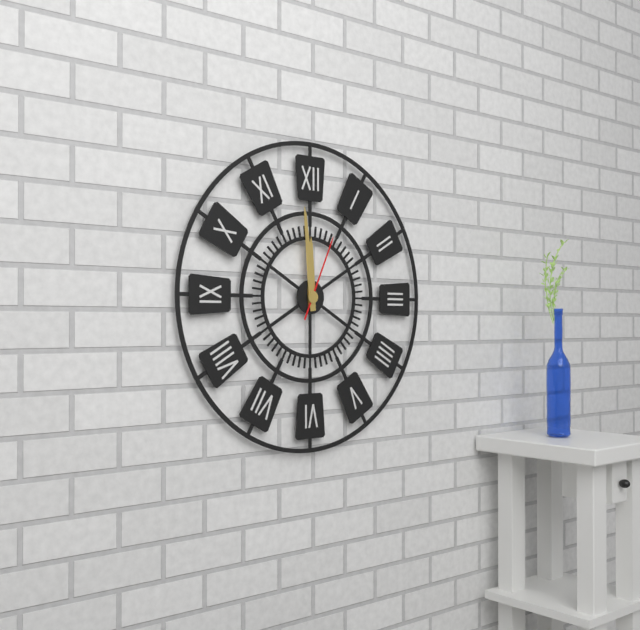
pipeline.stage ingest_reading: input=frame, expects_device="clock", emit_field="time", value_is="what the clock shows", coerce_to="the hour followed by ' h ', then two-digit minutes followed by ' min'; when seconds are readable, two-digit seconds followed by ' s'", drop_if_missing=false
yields 11 h 59 min 04 s
